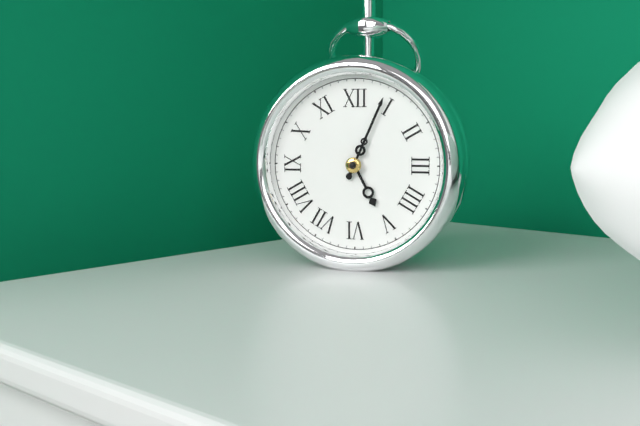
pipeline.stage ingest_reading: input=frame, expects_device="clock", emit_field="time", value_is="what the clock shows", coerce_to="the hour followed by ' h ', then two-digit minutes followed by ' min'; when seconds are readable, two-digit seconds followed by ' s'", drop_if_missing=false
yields 5 h 04 min
